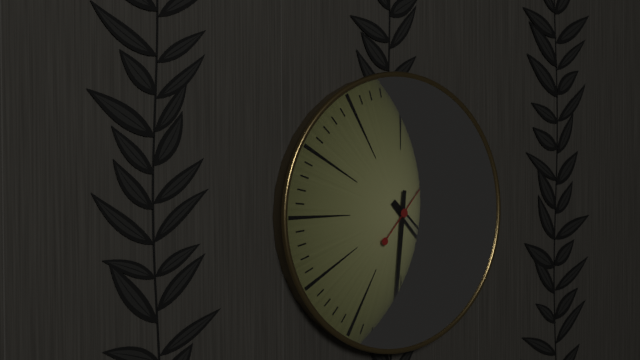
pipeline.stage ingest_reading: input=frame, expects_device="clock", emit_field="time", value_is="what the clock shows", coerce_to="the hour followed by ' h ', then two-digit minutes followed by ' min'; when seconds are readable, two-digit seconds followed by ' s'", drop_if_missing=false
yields 4 h 31 min 07 s
